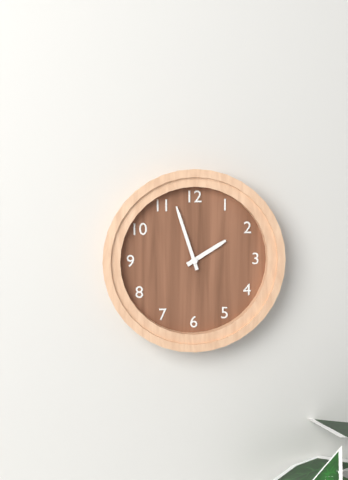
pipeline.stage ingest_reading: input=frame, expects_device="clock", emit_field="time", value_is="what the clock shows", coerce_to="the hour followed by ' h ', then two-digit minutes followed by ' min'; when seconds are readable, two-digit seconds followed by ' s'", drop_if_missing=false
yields 1 h 57 min
